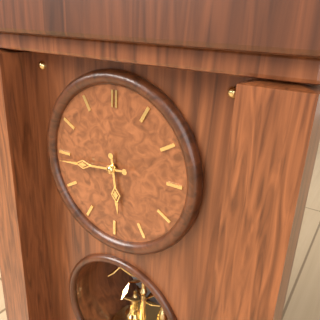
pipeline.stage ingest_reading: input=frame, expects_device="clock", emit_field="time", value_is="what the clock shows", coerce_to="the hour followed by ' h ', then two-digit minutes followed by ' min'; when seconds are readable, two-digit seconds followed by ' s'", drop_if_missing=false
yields 5 h 44 min
